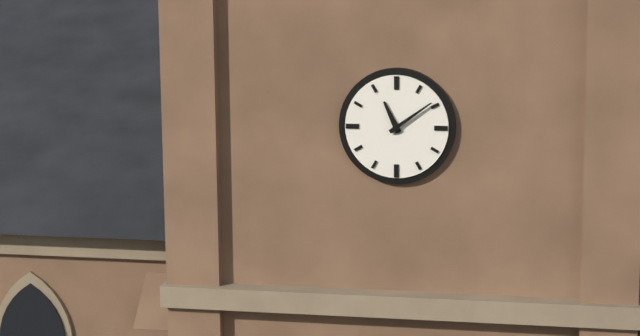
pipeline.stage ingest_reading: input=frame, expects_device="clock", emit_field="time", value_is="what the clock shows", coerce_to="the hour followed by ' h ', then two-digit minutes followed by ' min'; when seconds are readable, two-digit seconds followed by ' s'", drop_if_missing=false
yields 11 h 09 min
